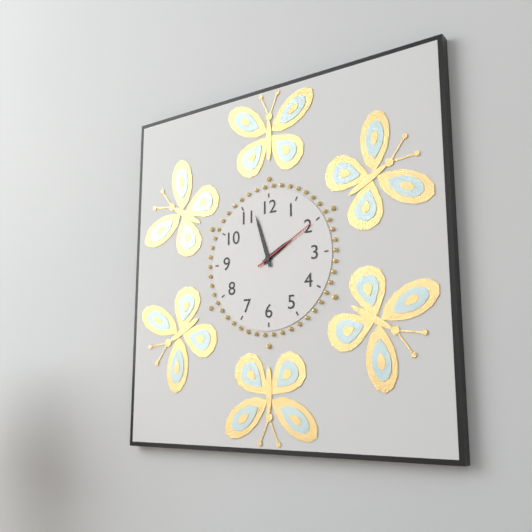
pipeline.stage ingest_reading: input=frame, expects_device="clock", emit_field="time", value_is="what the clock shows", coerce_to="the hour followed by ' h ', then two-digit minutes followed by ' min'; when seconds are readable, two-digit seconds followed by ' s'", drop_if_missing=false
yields 1 h 57 min 10 s
